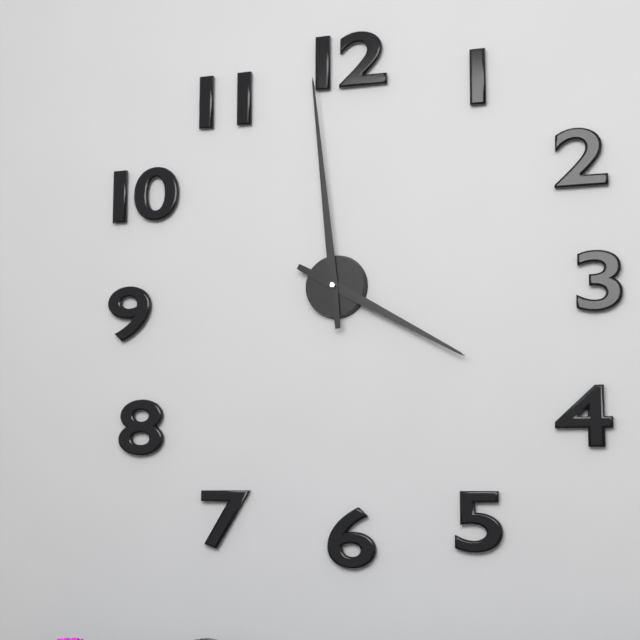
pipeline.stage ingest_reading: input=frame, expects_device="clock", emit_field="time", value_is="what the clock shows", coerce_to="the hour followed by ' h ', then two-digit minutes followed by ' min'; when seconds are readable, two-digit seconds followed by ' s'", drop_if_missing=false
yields 3 h 59 min
